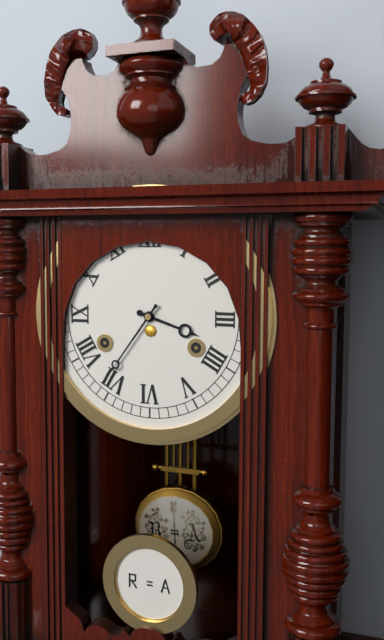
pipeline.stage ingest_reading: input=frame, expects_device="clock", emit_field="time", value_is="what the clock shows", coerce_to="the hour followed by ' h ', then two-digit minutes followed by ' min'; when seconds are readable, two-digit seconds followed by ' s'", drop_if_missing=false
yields 3 h 36 min
